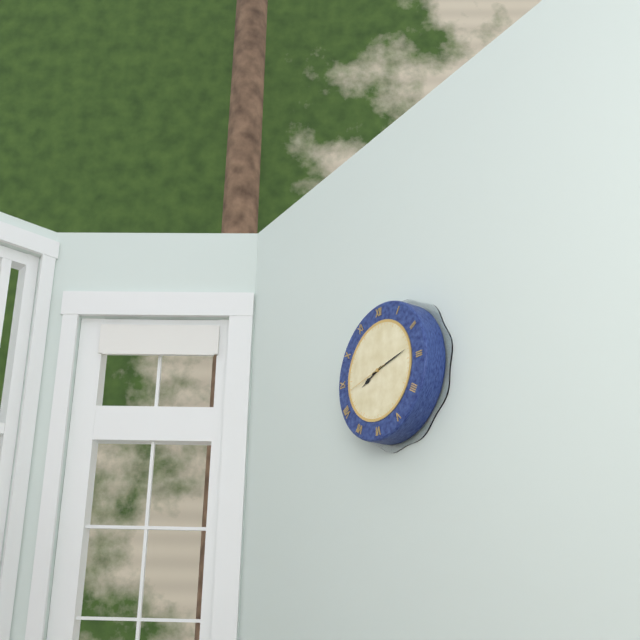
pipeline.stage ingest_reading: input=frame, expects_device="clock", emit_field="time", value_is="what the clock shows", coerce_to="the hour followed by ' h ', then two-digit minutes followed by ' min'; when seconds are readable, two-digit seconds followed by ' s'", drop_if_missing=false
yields 8 h 13 min
